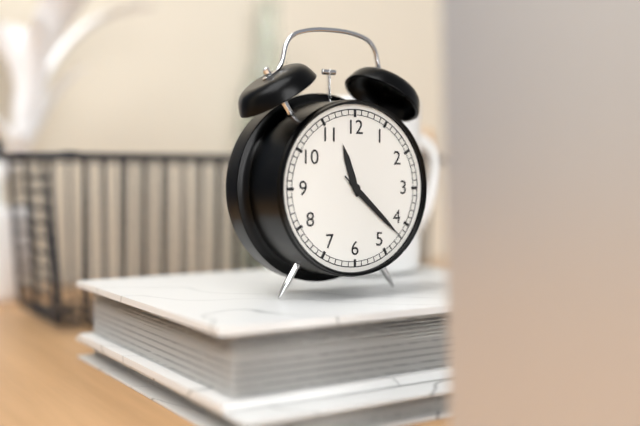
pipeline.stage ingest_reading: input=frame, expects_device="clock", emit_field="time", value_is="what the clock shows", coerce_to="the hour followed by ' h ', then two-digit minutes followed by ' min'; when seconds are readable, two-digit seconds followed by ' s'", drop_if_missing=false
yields 11 h 22 min 22 s
